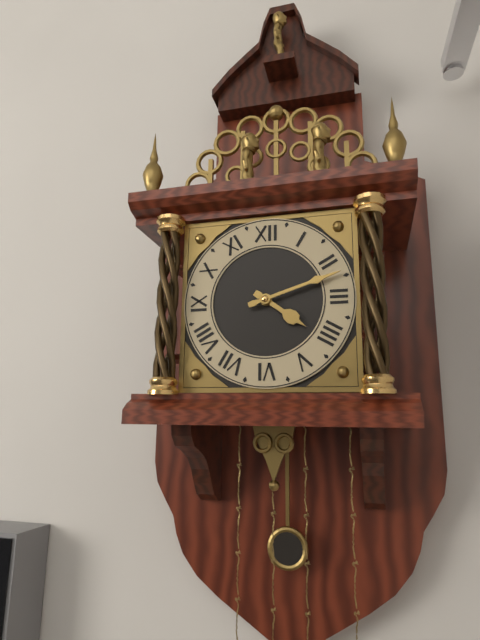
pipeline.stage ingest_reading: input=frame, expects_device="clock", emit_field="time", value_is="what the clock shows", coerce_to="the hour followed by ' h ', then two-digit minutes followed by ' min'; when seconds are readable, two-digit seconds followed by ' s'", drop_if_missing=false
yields 4 h 12 min
